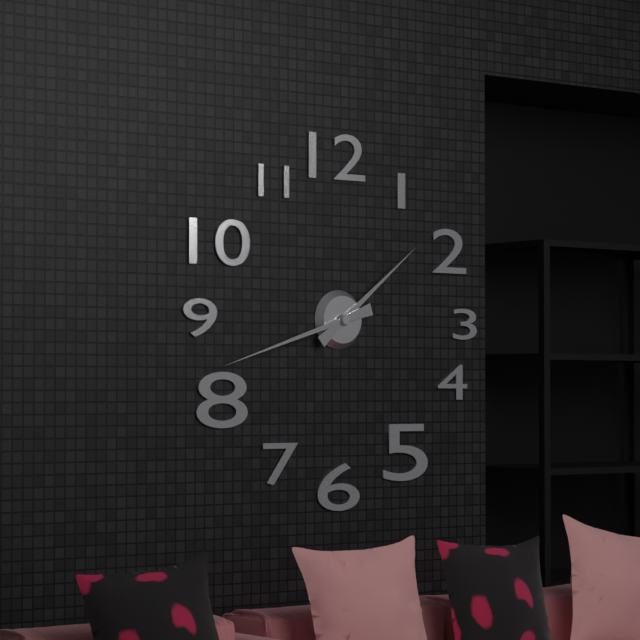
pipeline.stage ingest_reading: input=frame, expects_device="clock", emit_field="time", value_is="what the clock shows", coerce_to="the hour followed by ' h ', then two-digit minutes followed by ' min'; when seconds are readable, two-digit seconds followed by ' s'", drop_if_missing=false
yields 1 h 42 min
